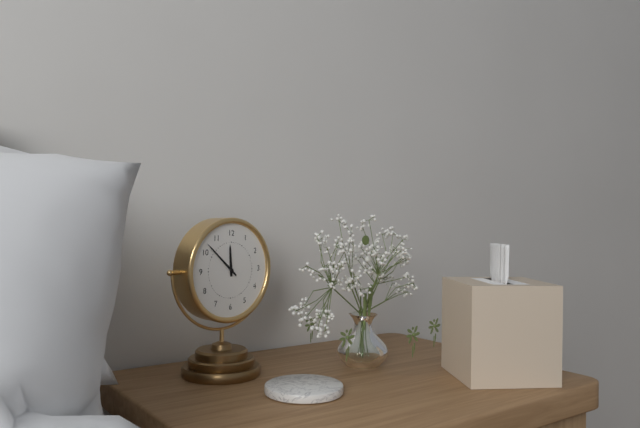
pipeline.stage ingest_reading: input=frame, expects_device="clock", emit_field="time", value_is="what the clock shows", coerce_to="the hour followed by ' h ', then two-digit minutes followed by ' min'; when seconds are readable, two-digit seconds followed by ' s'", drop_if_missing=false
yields 11 h 52 min
